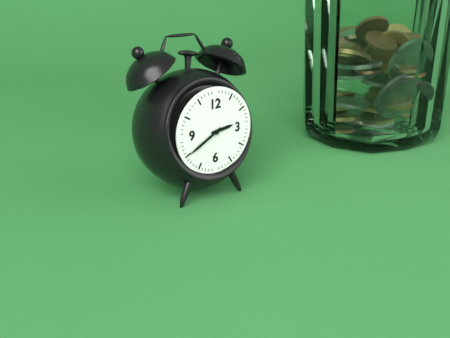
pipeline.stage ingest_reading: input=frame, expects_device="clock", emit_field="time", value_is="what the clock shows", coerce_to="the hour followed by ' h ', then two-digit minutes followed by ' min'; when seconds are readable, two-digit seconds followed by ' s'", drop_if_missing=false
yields 2 h 40 min
